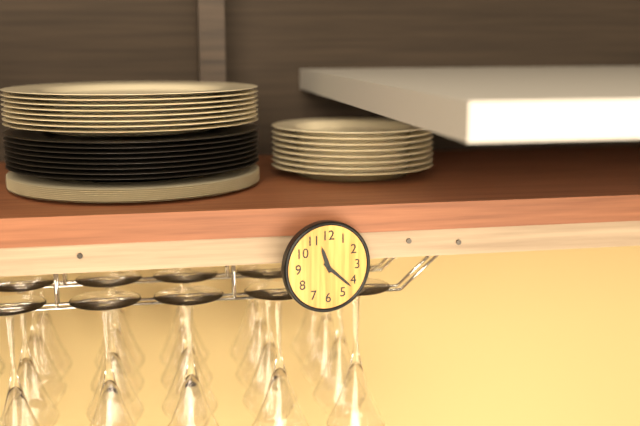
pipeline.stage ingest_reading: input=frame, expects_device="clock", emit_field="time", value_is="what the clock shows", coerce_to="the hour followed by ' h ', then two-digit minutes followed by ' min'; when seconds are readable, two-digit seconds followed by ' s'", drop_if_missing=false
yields 11 h 22 min
